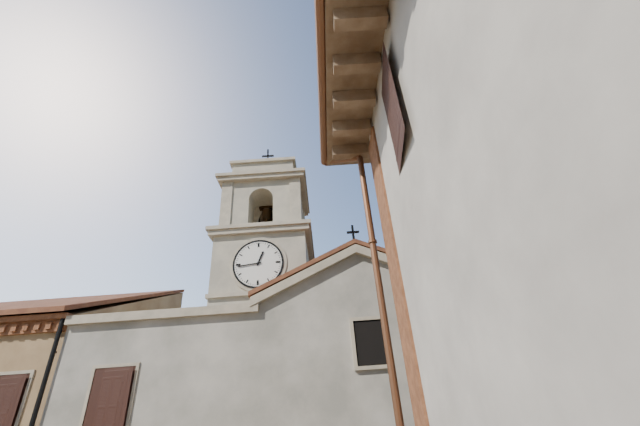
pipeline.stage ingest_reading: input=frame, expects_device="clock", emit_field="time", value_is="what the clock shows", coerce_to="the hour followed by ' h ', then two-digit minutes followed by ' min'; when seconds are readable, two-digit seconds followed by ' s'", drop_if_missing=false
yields 12 h 44 min
